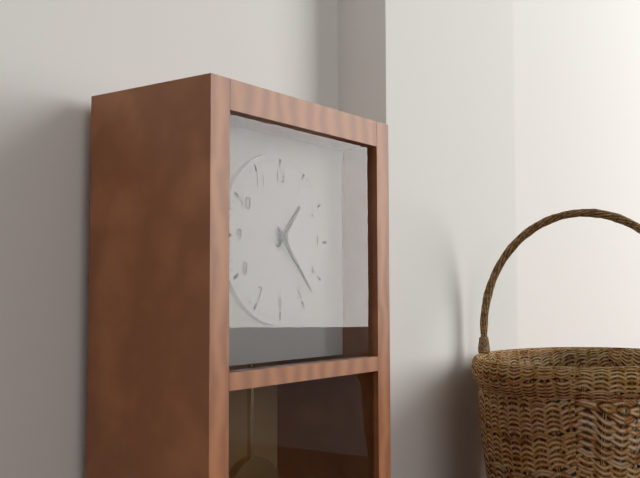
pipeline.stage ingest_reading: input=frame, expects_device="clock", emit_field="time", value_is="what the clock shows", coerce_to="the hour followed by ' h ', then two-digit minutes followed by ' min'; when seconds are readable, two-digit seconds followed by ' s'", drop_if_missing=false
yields 1 h 23 min
